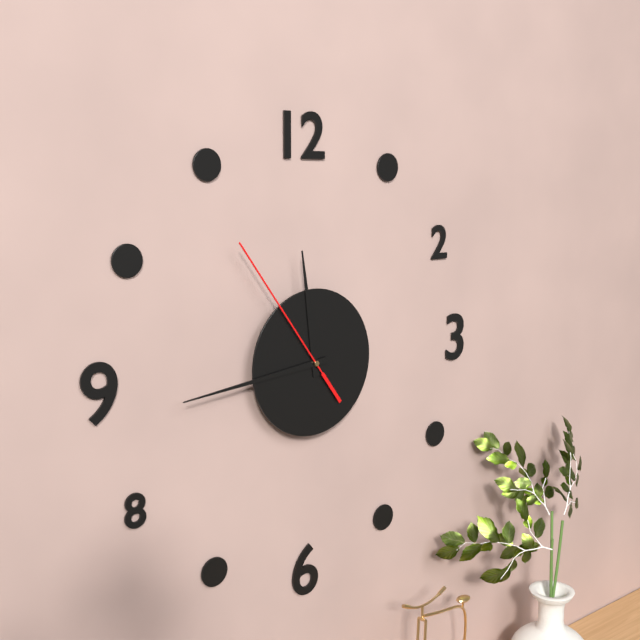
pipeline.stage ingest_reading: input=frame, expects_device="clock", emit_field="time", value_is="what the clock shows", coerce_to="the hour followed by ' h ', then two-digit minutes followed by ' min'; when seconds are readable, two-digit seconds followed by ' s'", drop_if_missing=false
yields 11 h 44 min 54 s
